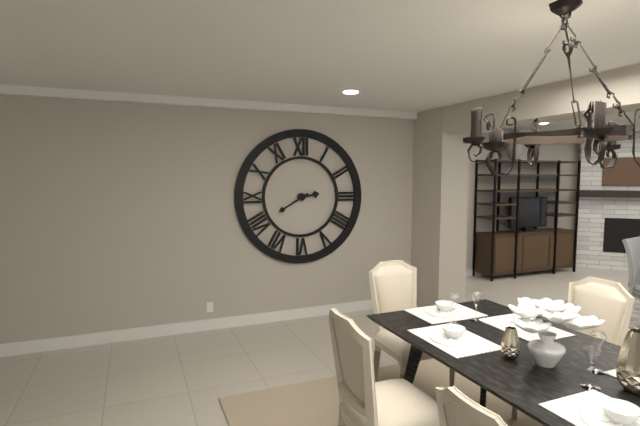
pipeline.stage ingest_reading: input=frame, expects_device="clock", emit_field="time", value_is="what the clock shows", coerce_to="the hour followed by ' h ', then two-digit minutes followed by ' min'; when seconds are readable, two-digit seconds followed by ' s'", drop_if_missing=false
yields 2 h 40 min
